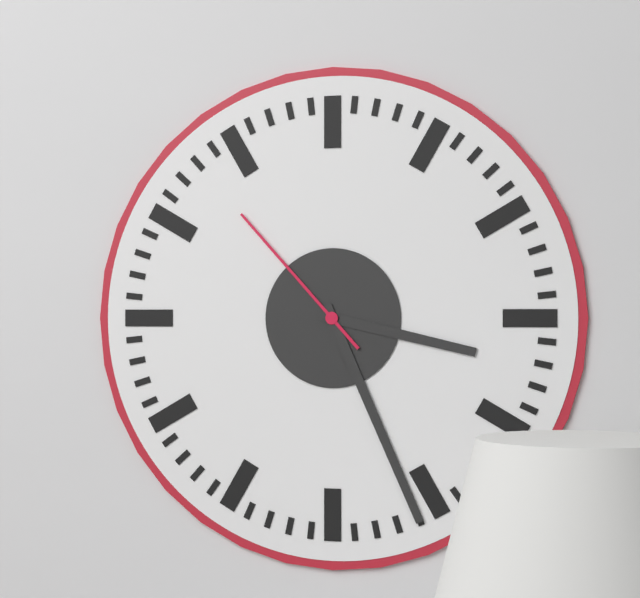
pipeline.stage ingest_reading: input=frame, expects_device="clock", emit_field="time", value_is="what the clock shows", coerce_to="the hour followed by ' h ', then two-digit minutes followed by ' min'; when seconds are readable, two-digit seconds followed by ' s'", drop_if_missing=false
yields 3 h 26 min 53 s
